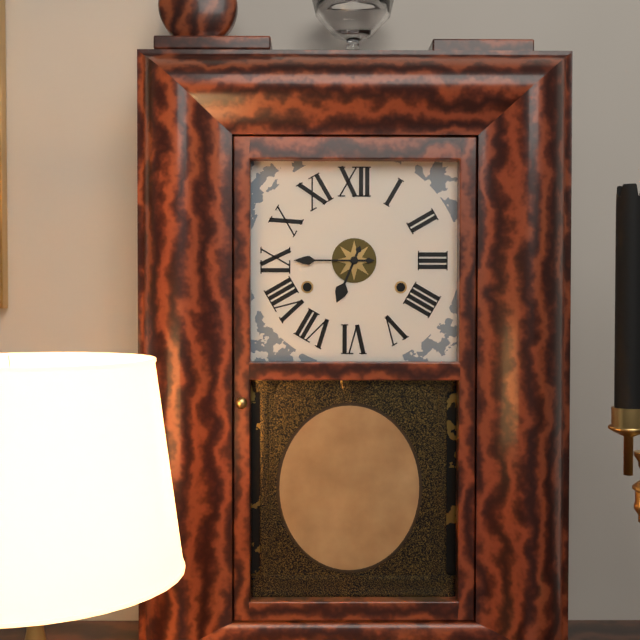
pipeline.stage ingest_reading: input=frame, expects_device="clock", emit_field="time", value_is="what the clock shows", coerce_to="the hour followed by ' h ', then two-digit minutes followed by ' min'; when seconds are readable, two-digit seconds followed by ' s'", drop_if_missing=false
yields 6 h 45 min
